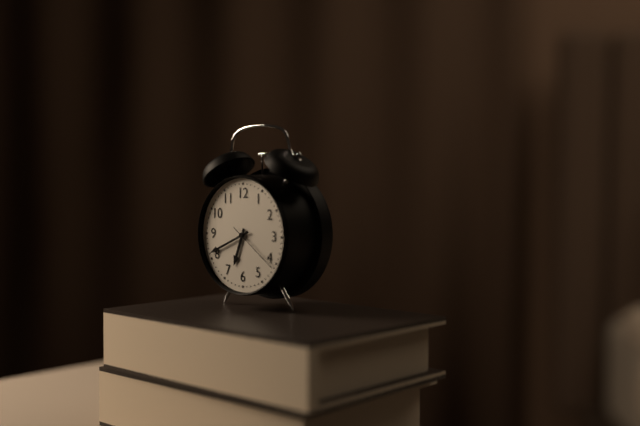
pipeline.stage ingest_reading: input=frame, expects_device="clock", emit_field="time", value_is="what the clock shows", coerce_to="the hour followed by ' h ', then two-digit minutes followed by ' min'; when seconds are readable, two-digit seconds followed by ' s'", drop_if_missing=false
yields 6 h 41 min
